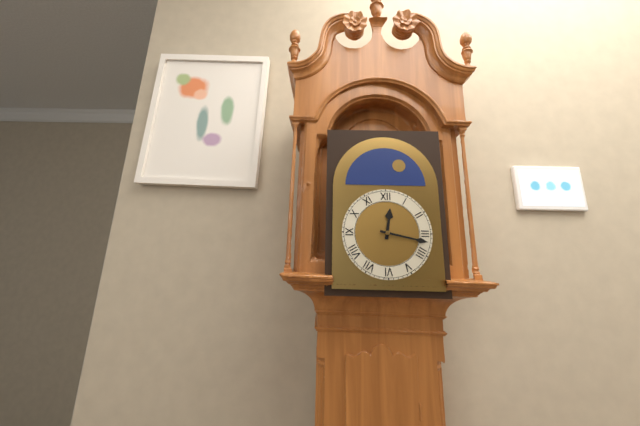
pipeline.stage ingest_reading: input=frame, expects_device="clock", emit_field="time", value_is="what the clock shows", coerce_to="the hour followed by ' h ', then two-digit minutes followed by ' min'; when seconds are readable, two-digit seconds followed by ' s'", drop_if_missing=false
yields 12 h 17 min
